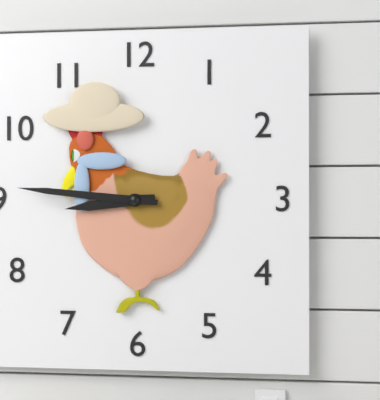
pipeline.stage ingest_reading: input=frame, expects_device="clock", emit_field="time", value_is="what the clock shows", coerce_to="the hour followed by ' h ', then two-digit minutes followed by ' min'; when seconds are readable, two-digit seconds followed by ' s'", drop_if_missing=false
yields 8 h 46 min
